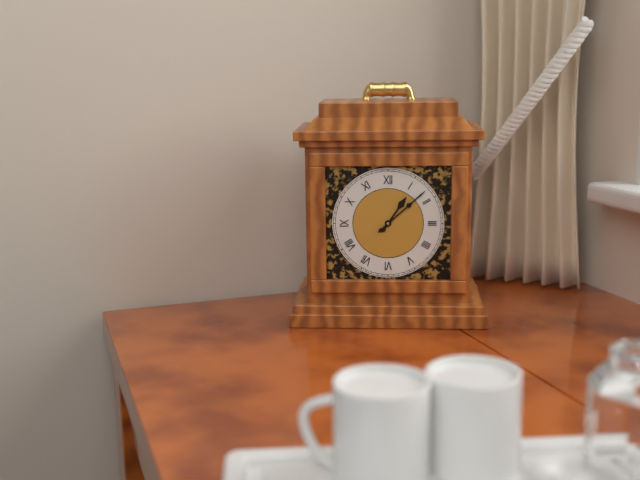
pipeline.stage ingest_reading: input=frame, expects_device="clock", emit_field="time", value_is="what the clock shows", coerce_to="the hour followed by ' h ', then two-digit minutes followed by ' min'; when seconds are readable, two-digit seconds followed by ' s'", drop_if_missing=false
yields 1 h 08 min
